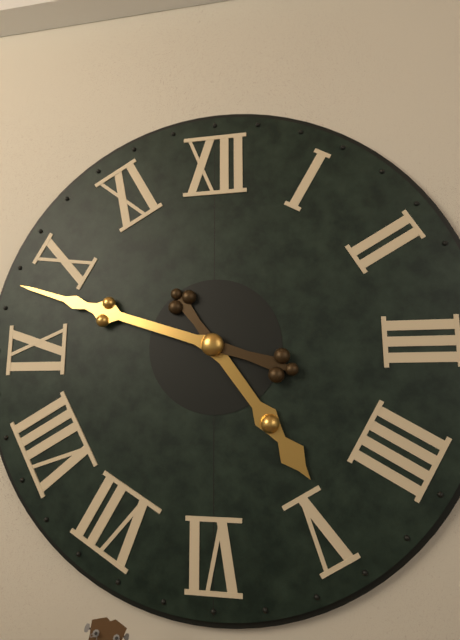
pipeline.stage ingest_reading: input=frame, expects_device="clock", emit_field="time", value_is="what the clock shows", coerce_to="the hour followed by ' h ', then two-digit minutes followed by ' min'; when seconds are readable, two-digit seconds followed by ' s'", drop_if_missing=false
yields 4 h 48 min
